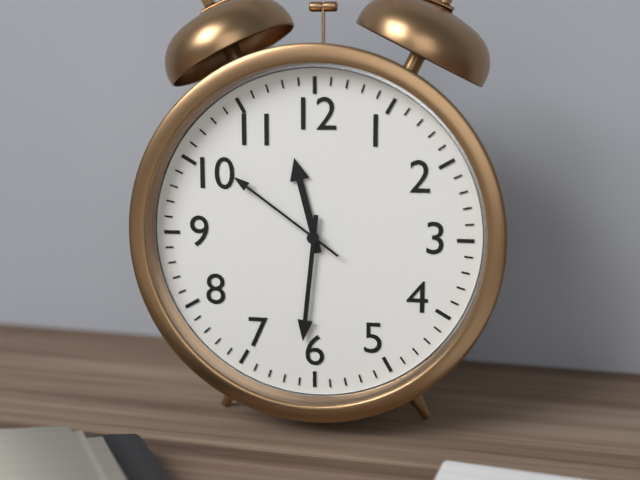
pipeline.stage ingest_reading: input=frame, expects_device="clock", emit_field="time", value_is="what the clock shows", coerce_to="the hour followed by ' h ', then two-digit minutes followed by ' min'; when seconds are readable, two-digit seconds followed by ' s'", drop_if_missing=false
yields 11 h 31 min 51 s
